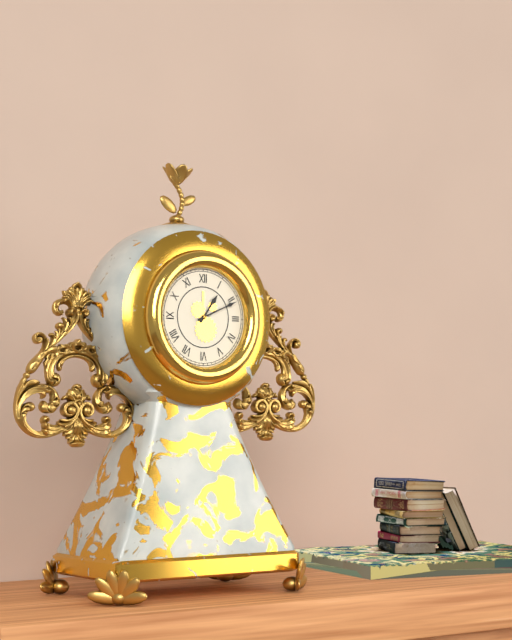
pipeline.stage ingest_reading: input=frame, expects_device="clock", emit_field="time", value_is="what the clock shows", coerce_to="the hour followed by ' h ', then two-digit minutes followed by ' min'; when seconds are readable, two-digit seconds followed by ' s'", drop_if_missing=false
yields 1 h 11 min
